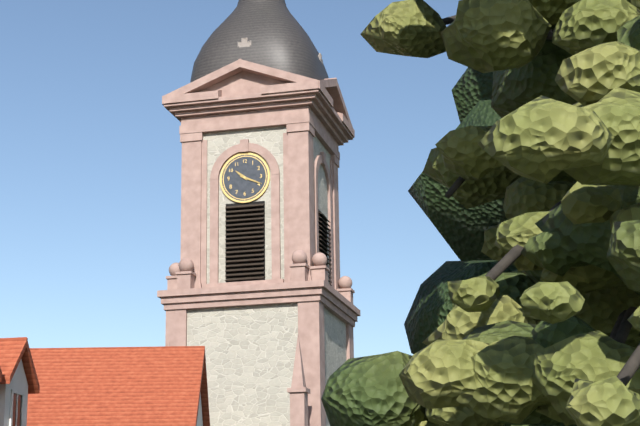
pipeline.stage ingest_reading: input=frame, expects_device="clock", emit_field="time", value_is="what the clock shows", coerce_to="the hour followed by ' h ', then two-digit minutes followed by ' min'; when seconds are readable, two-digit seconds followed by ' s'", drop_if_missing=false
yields 10 h 19 min
